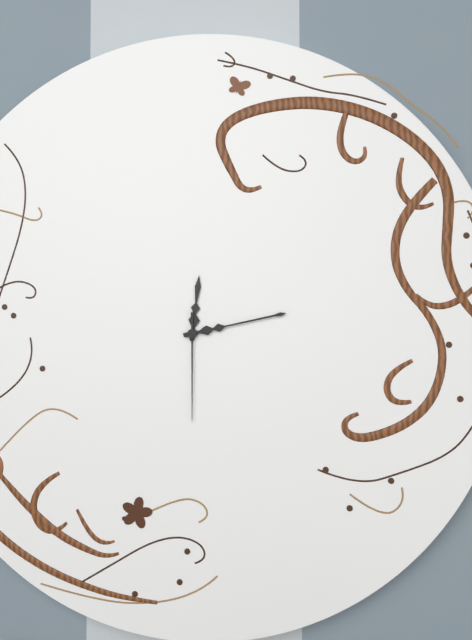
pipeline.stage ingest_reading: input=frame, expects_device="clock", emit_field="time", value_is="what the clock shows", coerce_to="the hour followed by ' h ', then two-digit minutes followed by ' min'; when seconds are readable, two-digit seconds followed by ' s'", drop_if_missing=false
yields 12 h 13 min 30 s
